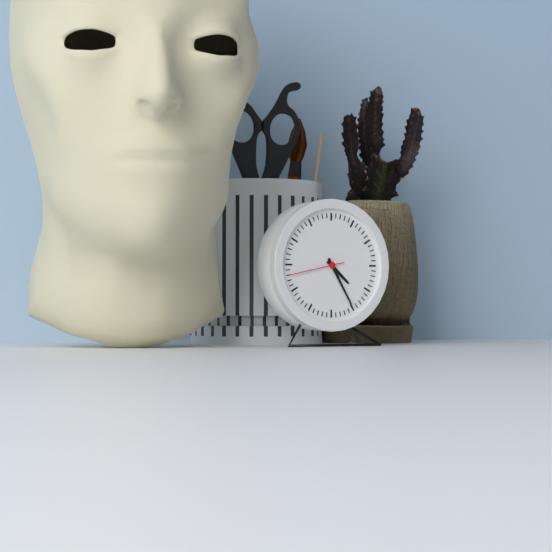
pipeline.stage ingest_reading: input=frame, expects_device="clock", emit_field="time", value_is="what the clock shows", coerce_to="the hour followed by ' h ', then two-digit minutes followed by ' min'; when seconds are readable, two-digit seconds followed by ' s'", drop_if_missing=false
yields 4 h 25 min 43 s
